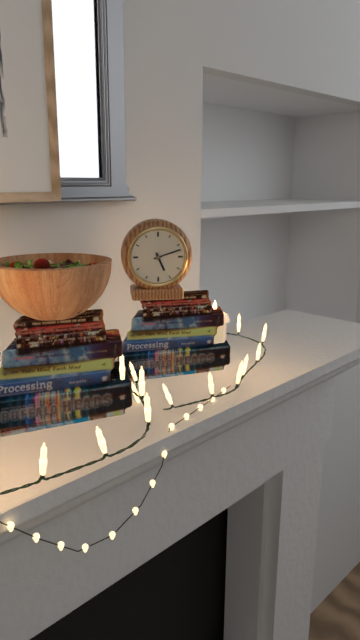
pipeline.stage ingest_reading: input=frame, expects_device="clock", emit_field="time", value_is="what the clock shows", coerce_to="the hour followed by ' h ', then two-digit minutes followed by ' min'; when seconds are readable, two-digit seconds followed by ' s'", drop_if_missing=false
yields 5 h 12 min
